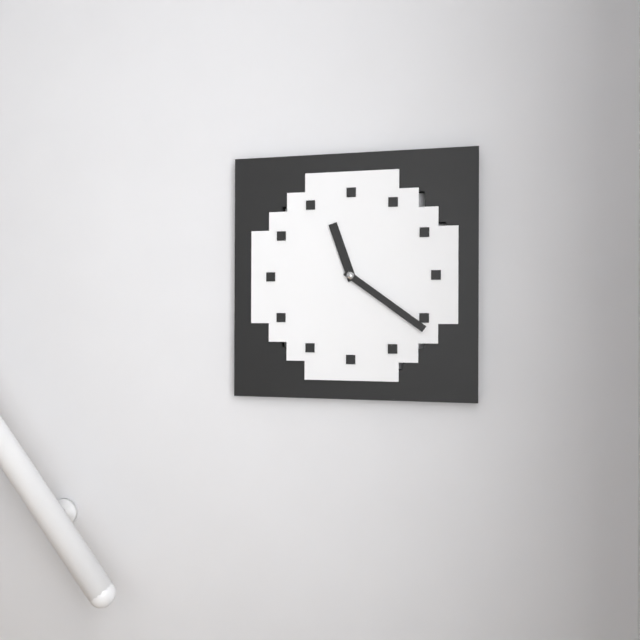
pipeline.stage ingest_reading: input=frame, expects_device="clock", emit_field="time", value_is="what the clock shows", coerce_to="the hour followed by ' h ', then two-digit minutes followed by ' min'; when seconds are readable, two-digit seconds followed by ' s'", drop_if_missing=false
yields 11 h 21 min
